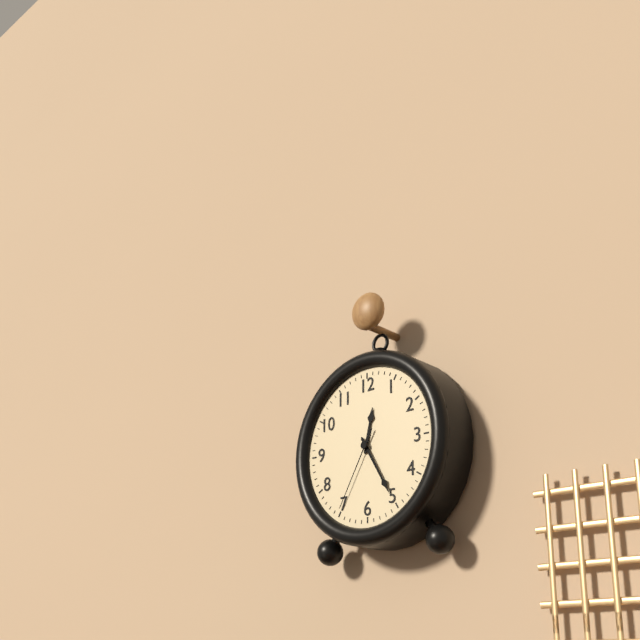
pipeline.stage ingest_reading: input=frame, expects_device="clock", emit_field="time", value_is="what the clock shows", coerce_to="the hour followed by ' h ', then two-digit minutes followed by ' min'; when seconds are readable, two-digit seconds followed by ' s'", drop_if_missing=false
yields 12 h 25 min 35 s
